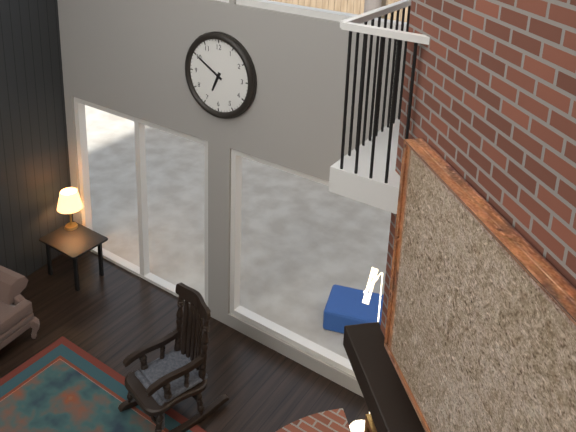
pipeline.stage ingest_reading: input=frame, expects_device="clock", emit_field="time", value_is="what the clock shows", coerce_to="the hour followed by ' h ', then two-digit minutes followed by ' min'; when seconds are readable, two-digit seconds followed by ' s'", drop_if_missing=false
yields 6 h 50 min
